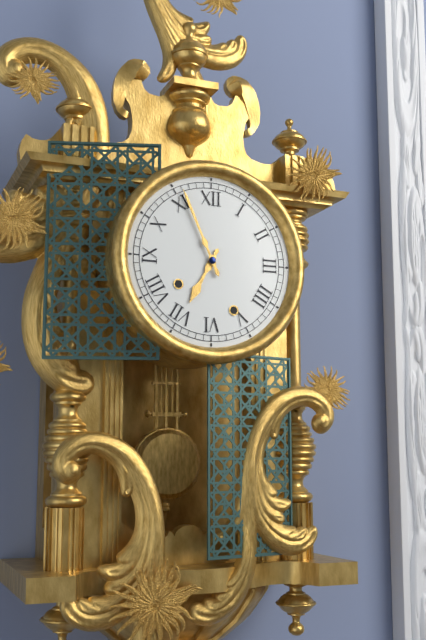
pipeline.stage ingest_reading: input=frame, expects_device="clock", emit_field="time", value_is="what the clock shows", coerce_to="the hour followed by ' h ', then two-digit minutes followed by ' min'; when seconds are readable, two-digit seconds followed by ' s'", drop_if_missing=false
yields 6 h 56 min
